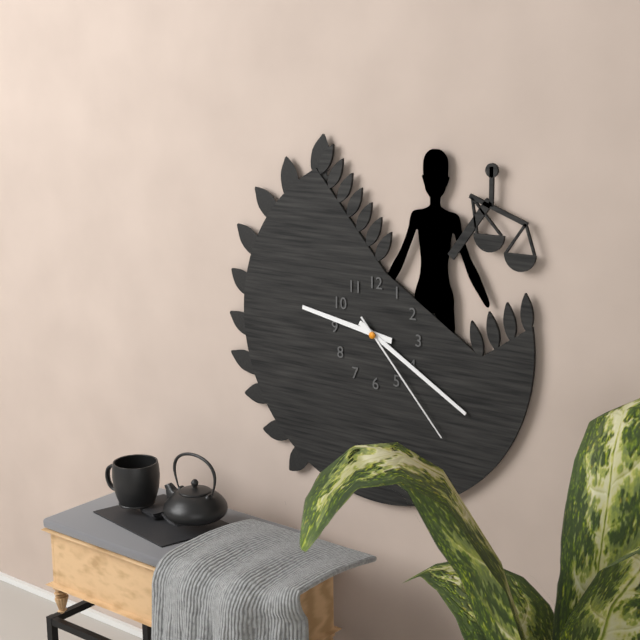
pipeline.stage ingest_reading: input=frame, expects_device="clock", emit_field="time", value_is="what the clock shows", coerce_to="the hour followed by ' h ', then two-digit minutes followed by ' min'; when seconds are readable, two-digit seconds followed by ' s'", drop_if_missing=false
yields 9 h 20 min 23 s
